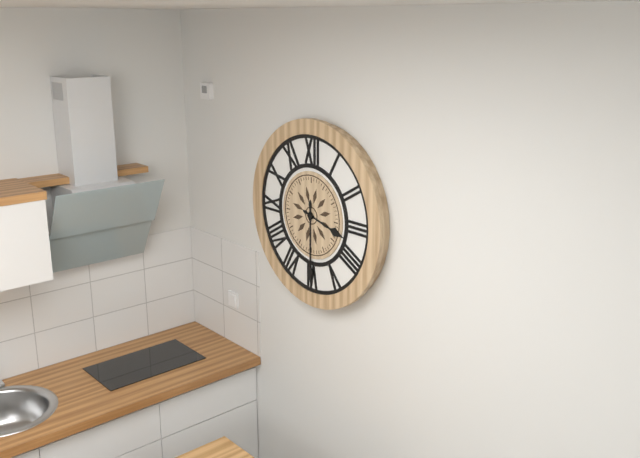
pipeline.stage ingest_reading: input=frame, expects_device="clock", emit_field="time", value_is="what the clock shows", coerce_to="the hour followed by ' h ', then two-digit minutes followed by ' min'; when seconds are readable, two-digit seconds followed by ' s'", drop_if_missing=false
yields 3 h 30 min
